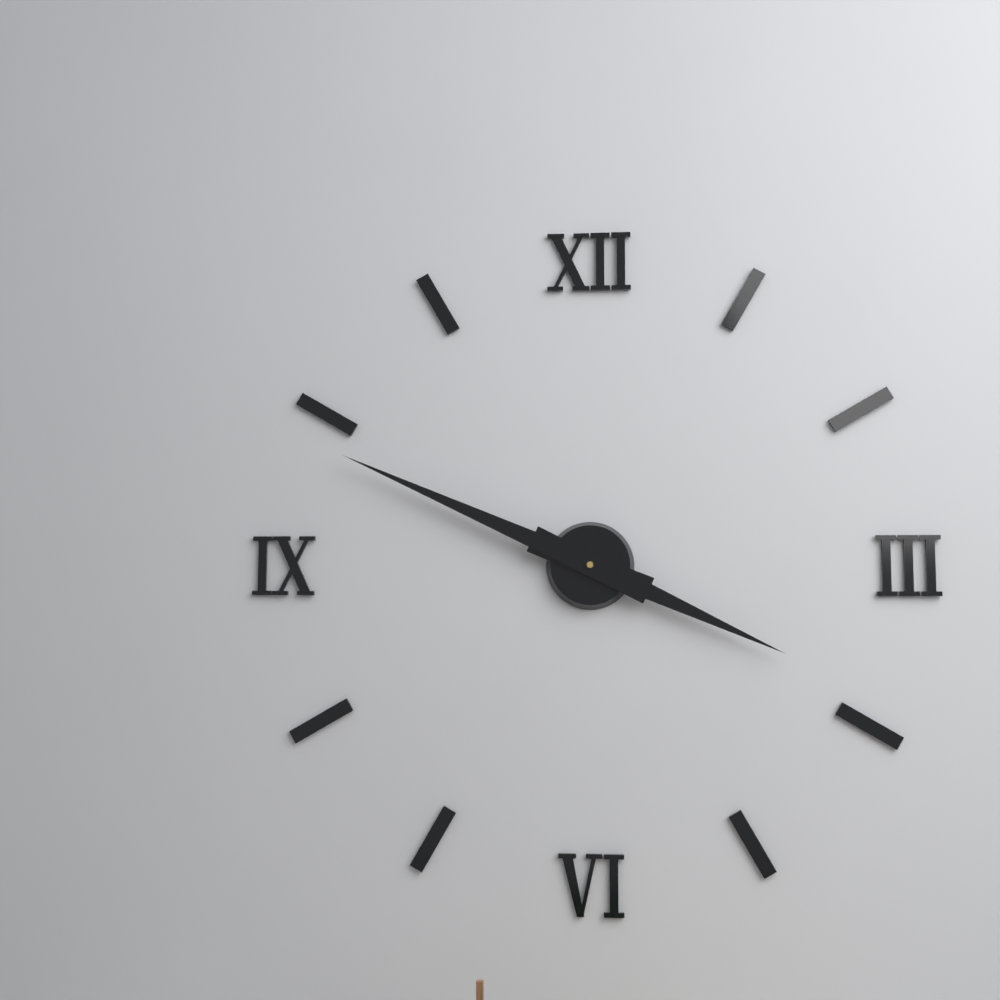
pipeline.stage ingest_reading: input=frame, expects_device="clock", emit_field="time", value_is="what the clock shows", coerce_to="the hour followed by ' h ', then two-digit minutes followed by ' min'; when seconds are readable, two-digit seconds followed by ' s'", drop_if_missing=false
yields 3 h 49 min
